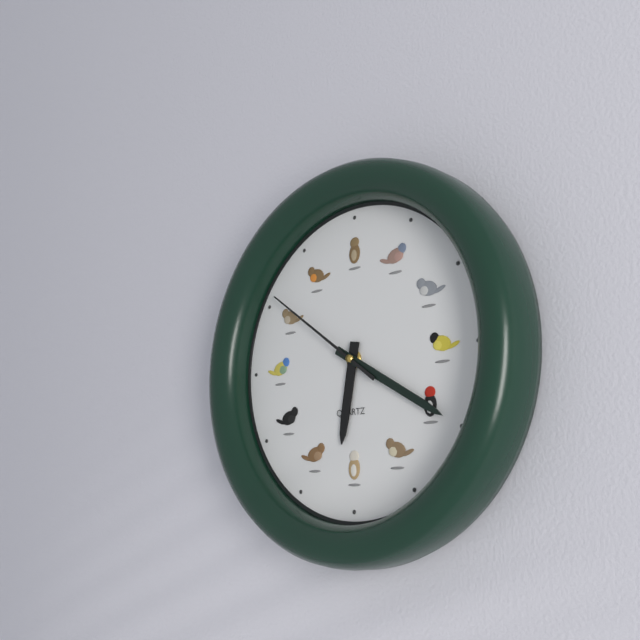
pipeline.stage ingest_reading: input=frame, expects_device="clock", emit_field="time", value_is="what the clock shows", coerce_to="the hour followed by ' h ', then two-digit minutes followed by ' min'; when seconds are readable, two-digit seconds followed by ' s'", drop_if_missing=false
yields 6 h 20 min 51 s
